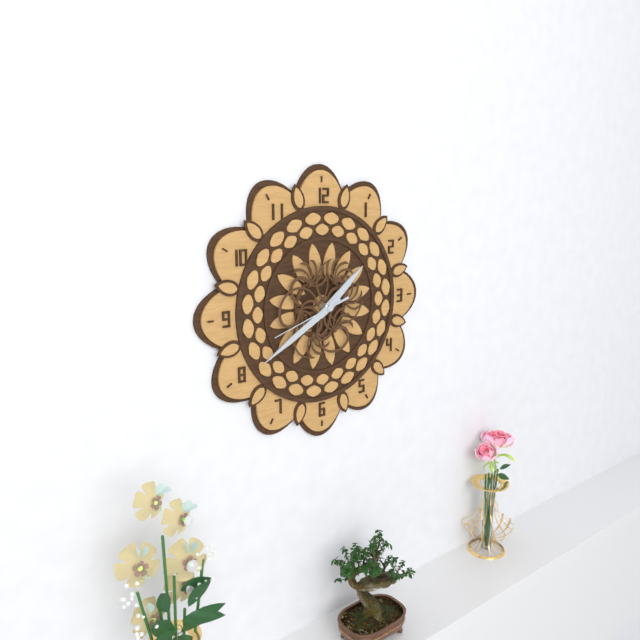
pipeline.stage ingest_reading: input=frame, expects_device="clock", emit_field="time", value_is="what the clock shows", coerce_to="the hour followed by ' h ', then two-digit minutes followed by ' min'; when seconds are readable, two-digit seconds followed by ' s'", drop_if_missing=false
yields 1 h 40 min 42 s
